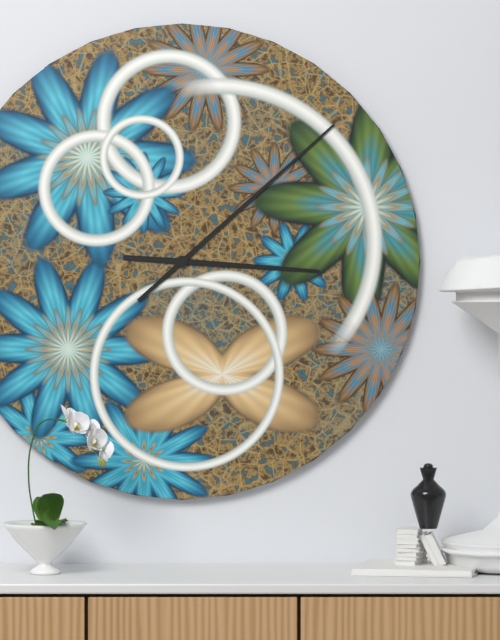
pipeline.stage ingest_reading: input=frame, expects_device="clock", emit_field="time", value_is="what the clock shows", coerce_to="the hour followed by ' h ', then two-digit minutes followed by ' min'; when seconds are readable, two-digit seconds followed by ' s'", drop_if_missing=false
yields 3 h 08 min
